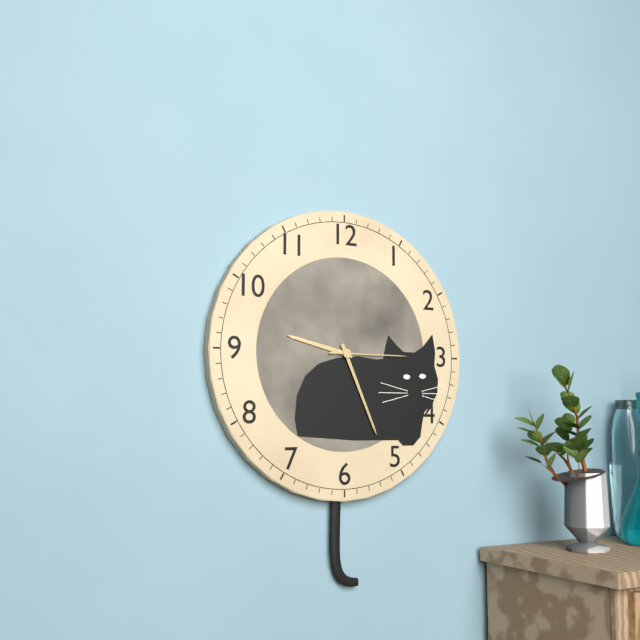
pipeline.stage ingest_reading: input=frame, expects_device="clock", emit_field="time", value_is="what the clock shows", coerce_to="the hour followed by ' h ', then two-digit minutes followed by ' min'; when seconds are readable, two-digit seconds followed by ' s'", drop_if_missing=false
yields 9 h 26 min 15 s
